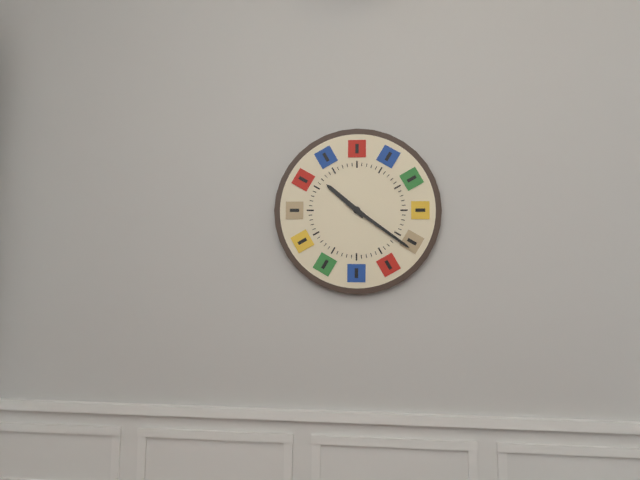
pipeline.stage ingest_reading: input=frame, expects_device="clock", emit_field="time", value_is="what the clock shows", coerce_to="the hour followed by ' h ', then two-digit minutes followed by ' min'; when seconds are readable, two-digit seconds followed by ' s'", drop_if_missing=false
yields 10 h 21 min
